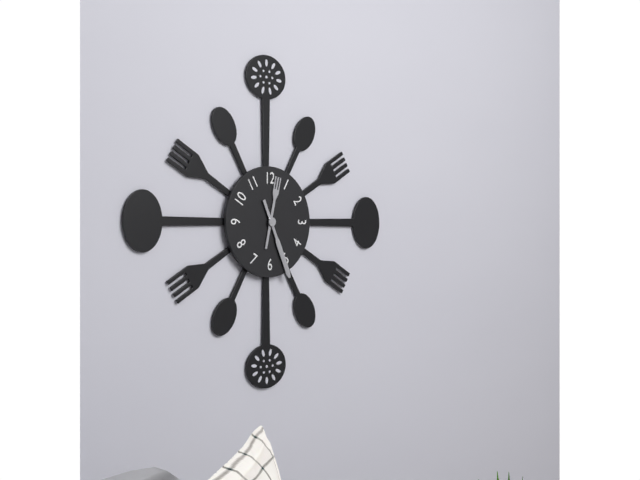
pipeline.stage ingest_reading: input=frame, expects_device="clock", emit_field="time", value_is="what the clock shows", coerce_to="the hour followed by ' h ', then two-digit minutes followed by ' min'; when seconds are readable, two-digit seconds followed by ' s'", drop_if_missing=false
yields 12 h 26 min
